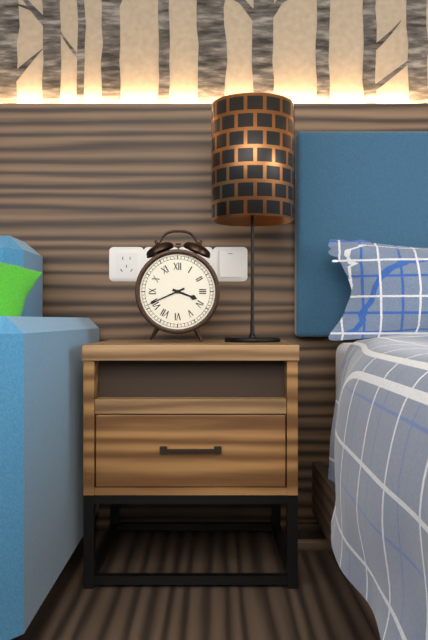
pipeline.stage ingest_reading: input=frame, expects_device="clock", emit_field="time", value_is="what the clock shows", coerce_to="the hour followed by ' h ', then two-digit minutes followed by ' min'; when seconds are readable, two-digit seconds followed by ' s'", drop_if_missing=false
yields 3 h 41 min
